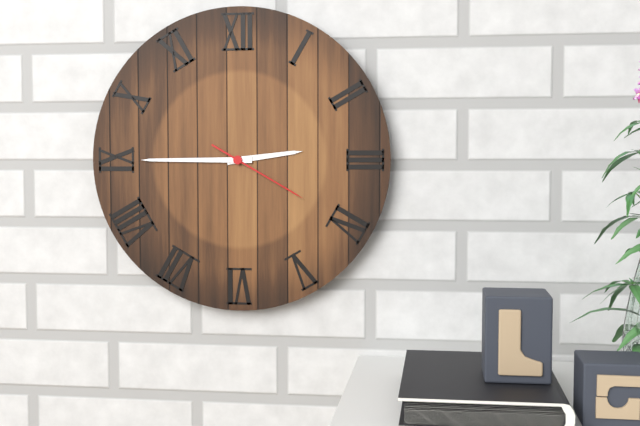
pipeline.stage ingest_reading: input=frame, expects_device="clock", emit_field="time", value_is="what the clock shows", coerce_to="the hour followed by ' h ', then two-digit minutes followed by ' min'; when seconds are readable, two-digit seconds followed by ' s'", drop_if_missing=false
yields 2 h 45 min 20 s
